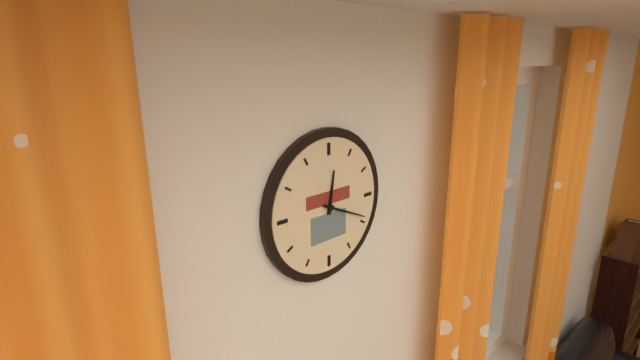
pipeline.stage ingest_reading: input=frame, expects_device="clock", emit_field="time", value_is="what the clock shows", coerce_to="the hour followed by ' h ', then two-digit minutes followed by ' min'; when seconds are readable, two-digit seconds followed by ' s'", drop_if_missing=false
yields 12 h 19 min
